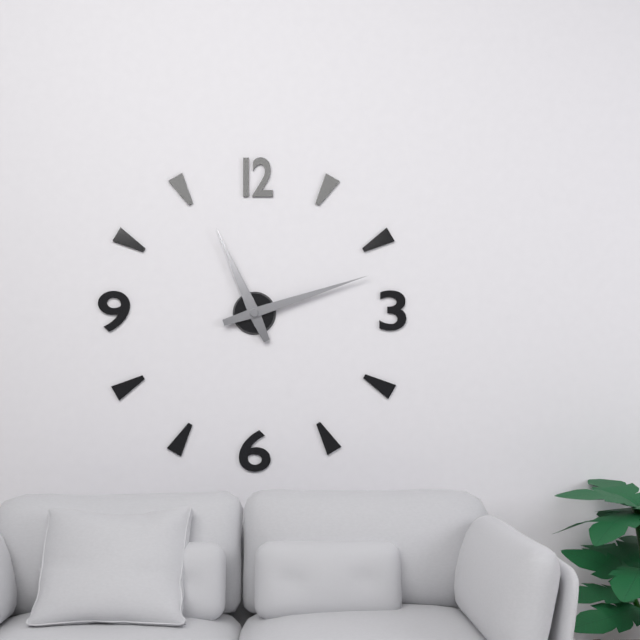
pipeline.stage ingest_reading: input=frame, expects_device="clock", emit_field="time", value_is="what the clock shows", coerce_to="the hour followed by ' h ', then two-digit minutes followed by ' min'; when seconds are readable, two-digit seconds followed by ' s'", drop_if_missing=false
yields 11 h 12 min
